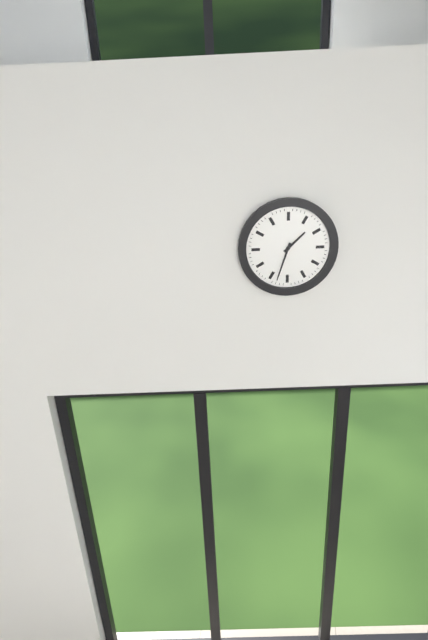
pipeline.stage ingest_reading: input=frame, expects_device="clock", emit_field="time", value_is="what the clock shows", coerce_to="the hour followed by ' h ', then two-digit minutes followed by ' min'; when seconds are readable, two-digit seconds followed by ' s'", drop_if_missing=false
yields 1 h 33 min
